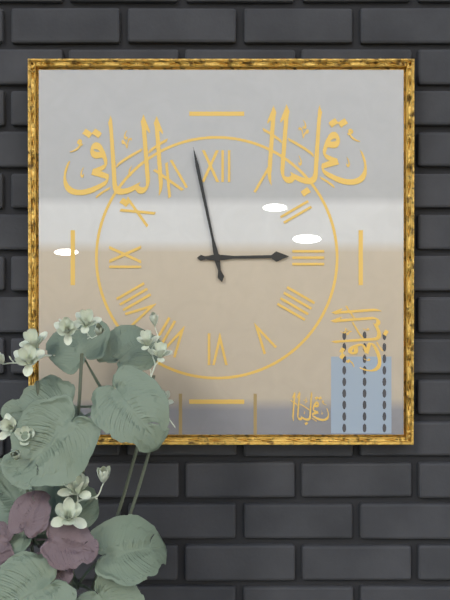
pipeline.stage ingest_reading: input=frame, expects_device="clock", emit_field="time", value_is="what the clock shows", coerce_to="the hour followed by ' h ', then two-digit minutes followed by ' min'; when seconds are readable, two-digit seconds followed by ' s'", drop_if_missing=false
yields 2 h 58 min
